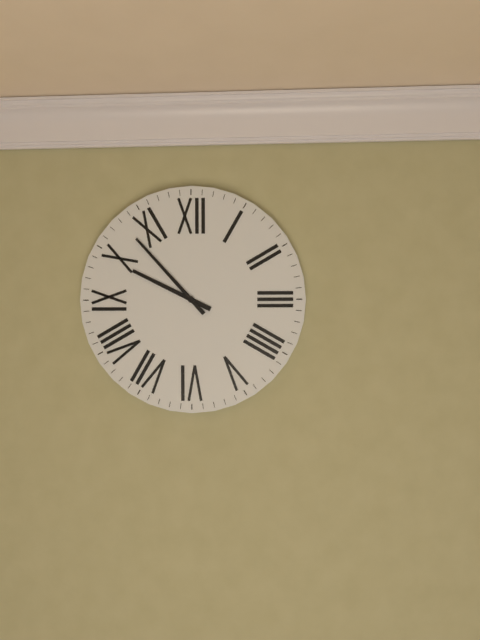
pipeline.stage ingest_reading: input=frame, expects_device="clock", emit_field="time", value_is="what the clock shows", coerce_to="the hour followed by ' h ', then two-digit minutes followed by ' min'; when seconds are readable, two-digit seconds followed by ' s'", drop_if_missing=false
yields 9 h 53 min
